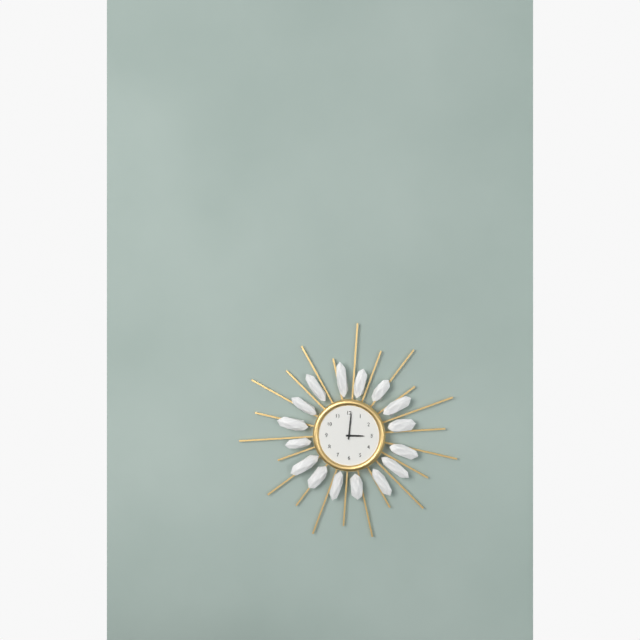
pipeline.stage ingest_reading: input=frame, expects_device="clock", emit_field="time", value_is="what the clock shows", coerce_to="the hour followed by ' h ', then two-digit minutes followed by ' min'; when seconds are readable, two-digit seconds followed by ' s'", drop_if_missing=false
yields 3 h 01 min
